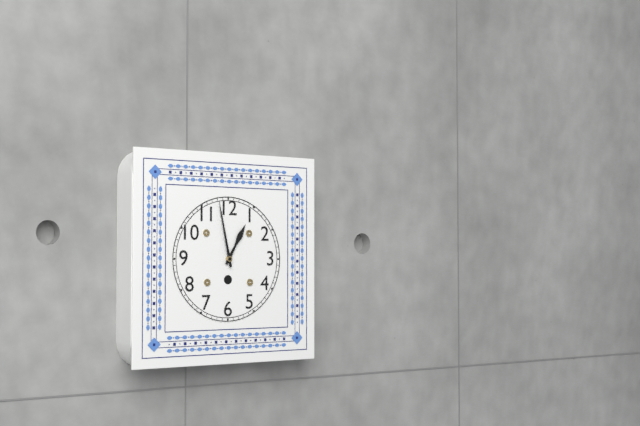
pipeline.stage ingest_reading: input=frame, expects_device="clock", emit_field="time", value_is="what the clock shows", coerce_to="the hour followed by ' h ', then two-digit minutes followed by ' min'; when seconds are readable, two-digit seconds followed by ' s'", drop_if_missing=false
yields 12 h 58 min
